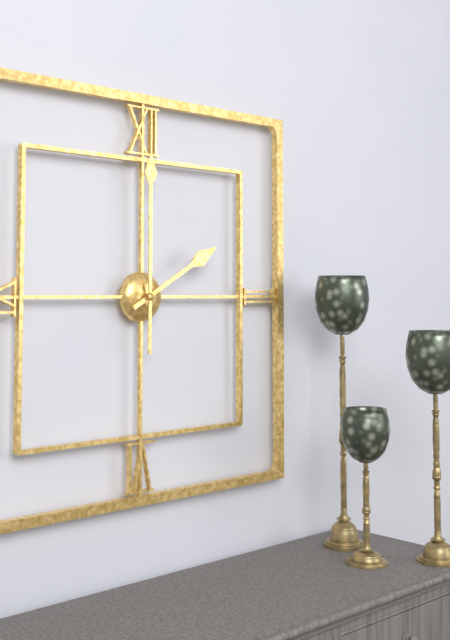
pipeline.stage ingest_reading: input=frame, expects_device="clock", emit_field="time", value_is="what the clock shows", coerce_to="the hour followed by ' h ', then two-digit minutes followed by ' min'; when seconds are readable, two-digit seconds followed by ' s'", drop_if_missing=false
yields 2 h 00 min
